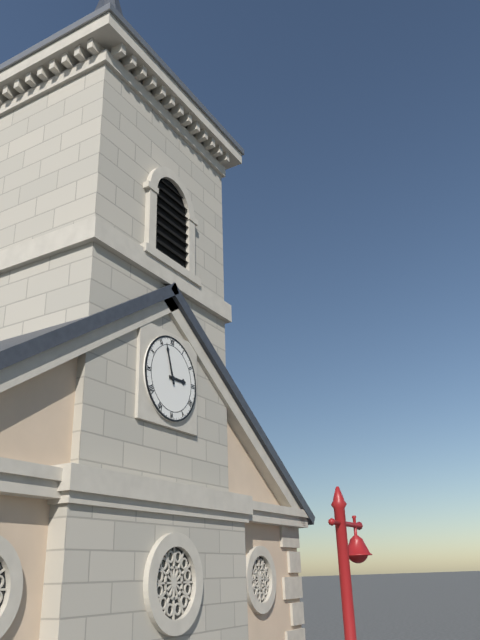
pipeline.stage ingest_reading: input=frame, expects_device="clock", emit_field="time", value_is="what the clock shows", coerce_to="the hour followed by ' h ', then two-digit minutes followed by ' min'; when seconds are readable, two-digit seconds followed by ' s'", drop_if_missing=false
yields 2 h 57 min
